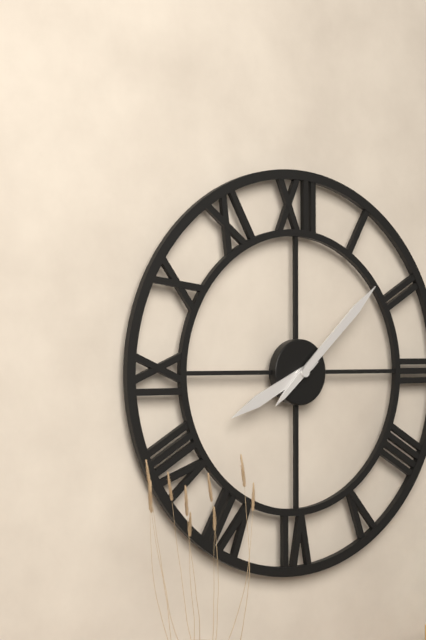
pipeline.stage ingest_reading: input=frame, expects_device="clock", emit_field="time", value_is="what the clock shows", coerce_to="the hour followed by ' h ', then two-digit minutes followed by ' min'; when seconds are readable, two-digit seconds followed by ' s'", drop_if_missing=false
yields 8 h 08 min
